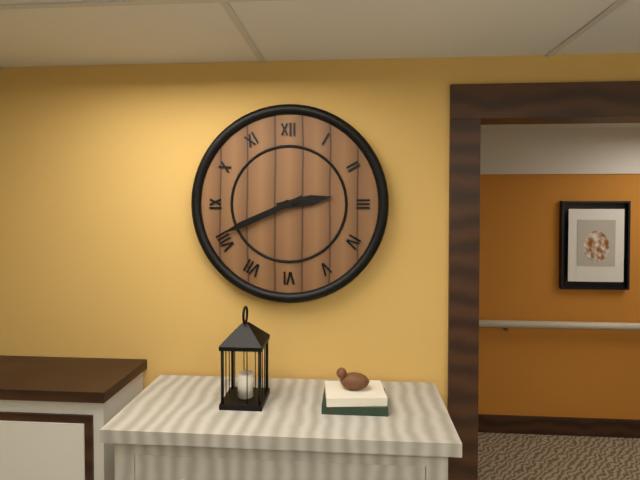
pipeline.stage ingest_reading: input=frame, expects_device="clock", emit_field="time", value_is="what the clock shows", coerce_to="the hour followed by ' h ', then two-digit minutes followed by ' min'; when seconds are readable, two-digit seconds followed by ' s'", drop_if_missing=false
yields 2 h 41 min
